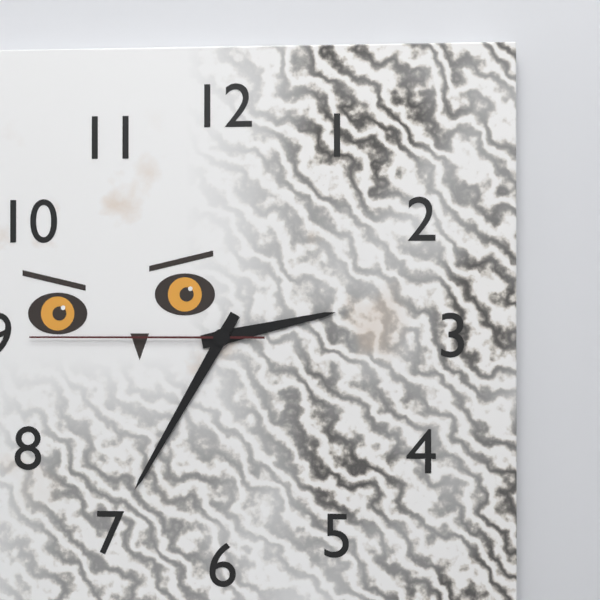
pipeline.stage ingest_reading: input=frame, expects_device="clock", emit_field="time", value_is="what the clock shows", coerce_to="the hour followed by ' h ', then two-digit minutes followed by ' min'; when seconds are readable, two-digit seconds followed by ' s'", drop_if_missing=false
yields 2 h 35 min 45 s
